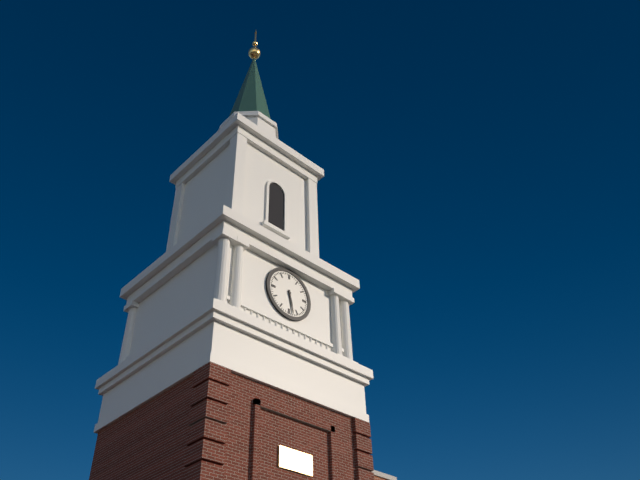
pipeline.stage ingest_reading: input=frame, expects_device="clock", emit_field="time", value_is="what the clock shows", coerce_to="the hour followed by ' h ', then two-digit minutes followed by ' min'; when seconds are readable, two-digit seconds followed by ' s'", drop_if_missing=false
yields 5 h 28 min
